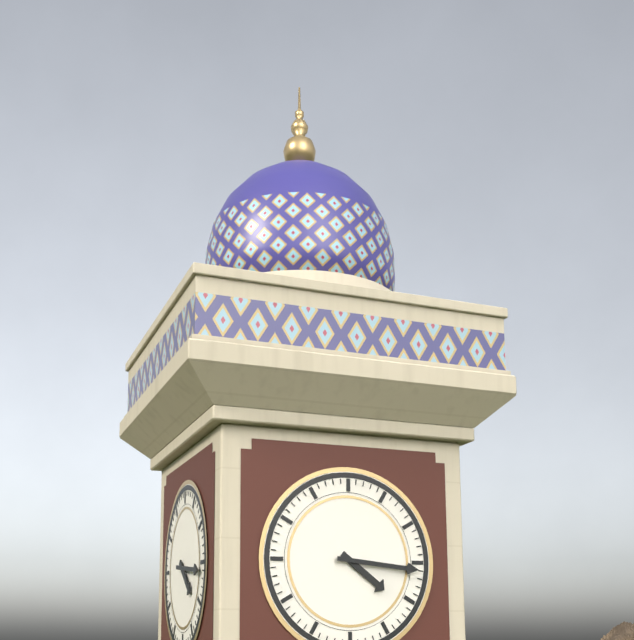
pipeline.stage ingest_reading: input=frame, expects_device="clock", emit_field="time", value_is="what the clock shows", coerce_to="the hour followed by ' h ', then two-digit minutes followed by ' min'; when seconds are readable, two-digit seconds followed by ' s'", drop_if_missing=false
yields 4 h 16 min
